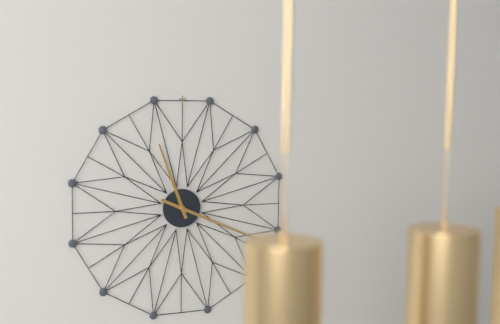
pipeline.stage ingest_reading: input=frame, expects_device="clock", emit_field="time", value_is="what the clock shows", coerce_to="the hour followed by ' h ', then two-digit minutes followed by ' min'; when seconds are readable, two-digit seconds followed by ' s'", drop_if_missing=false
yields 11 h 19 min
